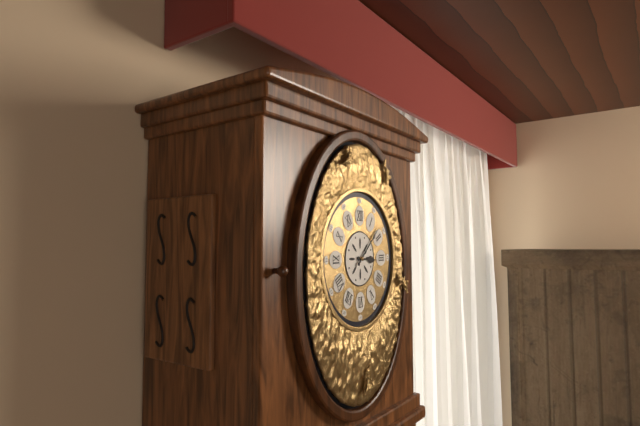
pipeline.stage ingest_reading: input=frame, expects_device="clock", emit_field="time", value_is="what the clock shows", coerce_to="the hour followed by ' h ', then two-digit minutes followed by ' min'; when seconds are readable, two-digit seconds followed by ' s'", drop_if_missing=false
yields 3 h 08 min
